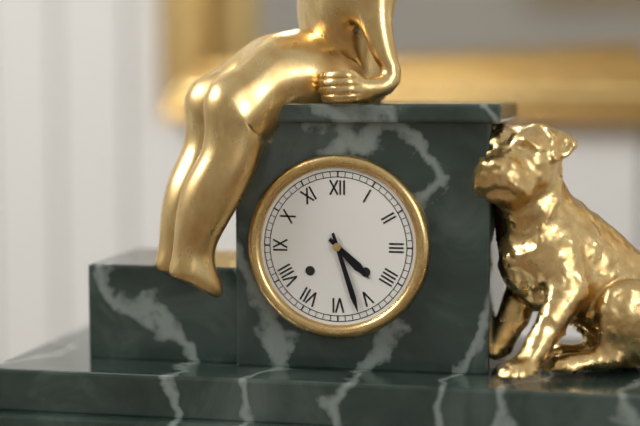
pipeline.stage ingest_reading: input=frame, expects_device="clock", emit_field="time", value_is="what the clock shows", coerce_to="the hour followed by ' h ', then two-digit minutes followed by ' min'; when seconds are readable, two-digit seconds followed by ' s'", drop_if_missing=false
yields 4 h 27 min
